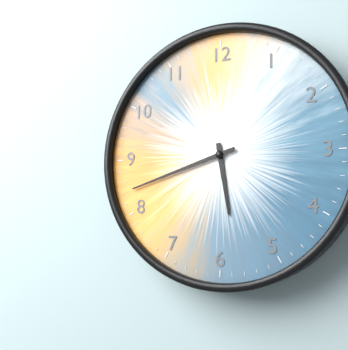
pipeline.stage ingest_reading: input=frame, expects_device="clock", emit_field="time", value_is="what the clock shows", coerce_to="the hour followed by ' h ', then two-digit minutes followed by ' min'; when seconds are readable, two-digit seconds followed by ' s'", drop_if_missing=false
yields 5 h 42 min
